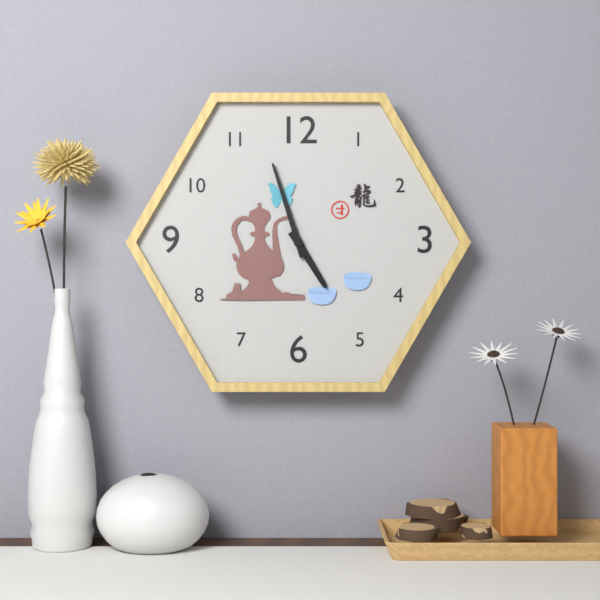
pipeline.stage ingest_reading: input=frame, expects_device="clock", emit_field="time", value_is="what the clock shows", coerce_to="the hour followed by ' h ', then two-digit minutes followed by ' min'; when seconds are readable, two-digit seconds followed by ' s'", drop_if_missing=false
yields 4 h 57 min
